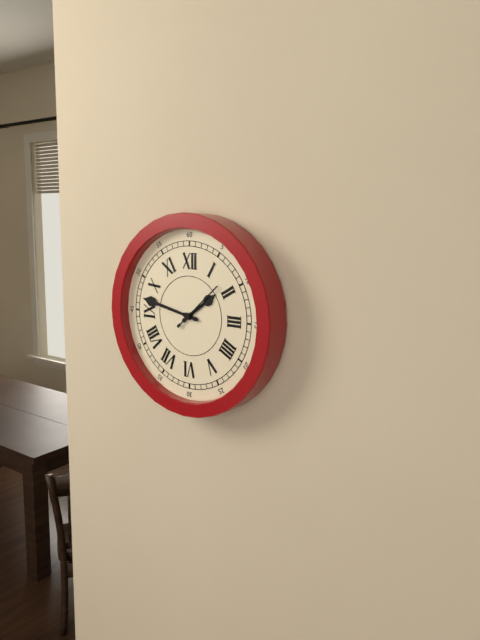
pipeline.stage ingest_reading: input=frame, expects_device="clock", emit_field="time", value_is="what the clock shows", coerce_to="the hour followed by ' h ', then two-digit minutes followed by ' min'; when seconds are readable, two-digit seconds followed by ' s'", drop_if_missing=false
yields 1 h 47 min 08 s
